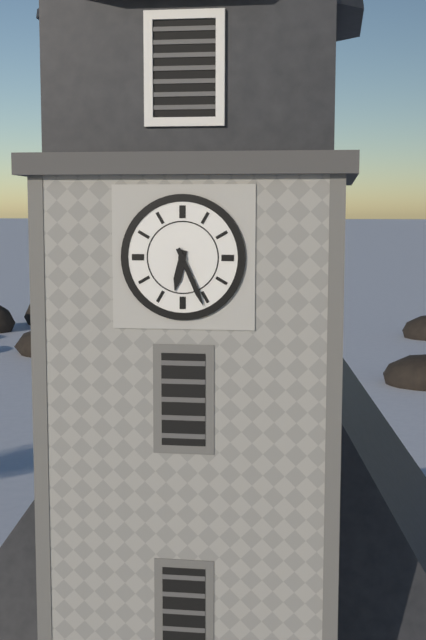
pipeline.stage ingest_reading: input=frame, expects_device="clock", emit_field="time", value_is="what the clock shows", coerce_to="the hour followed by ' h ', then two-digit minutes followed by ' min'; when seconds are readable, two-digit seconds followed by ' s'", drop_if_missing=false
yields 6 h 26 min
